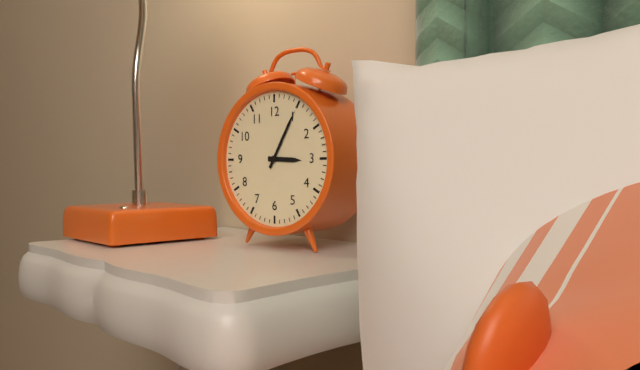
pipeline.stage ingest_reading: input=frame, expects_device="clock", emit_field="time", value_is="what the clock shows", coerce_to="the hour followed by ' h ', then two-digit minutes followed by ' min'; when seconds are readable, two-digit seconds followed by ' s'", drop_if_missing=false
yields 3 h 05 min
